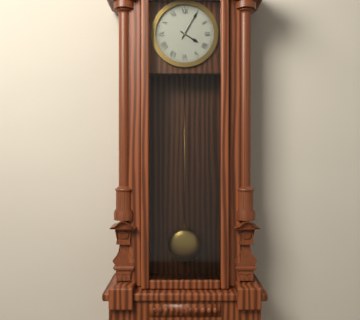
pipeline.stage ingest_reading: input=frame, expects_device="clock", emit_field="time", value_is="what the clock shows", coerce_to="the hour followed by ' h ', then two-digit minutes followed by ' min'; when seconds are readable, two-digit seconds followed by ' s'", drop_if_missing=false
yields 4 h 05 min
